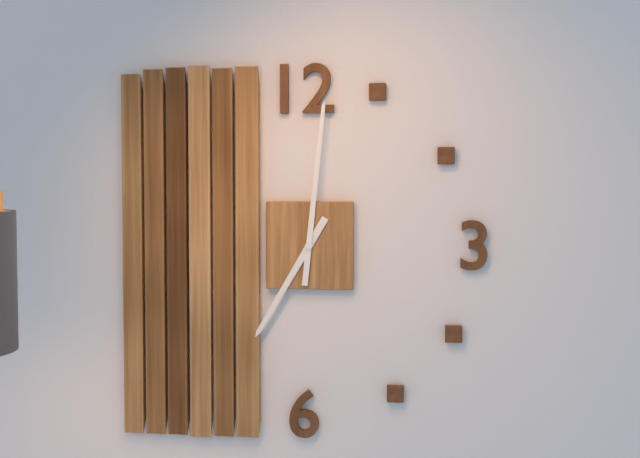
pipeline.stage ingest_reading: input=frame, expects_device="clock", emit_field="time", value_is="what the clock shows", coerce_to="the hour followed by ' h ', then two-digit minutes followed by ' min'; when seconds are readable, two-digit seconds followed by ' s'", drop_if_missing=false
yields 7 h 01 min
